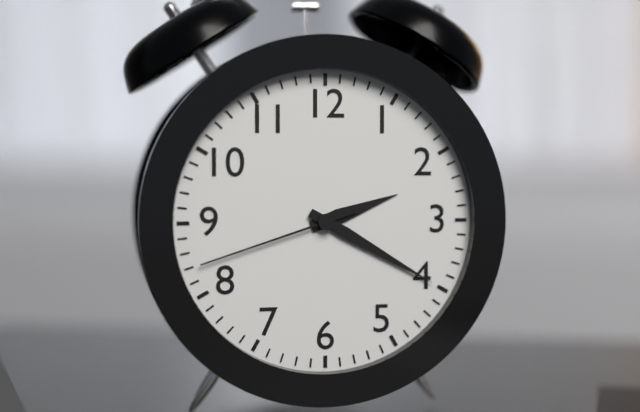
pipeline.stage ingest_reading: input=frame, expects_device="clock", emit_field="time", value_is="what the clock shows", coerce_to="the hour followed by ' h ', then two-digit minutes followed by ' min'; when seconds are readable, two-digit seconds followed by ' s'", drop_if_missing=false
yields 2 h 20 min 42 s
